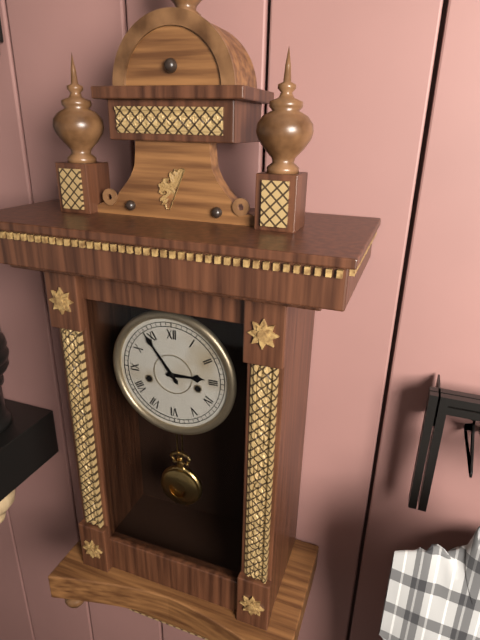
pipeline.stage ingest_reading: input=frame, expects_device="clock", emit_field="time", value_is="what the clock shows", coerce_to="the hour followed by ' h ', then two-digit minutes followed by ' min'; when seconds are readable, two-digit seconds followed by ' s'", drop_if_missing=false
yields 2 h 54 min
